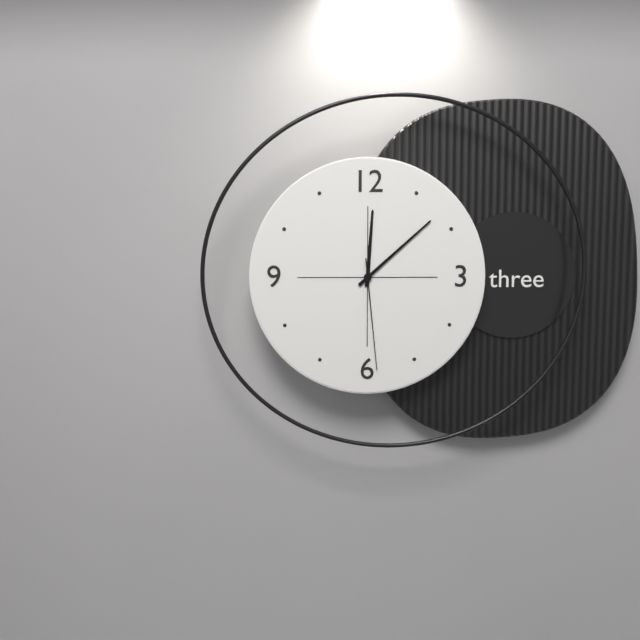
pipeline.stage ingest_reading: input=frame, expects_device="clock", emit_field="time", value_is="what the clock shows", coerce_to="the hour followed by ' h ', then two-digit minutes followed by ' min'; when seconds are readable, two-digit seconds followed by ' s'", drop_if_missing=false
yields 12 h 08 min 29 s
